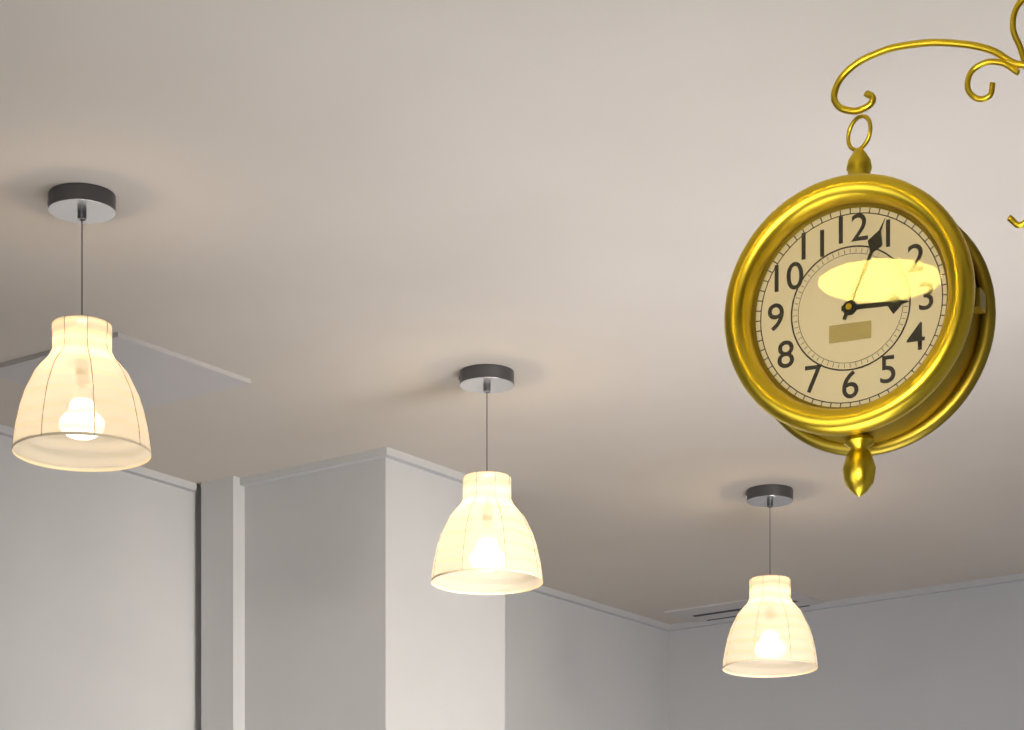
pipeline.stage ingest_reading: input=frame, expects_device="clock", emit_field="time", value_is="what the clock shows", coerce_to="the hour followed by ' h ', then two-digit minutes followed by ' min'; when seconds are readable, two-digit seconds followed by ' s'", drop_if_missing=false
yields 3 h 04 min
